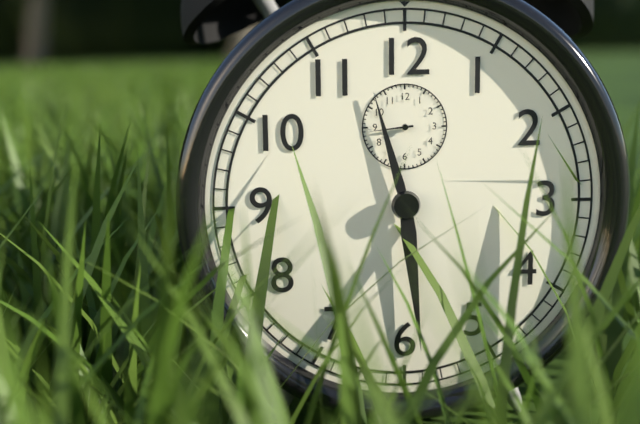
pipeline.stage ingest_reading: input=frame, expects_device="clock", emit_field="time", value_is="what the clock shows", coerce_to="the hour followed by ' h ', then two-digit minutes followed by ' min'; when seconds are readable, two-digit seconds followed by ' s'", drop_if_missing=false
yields 11 h 29 min
